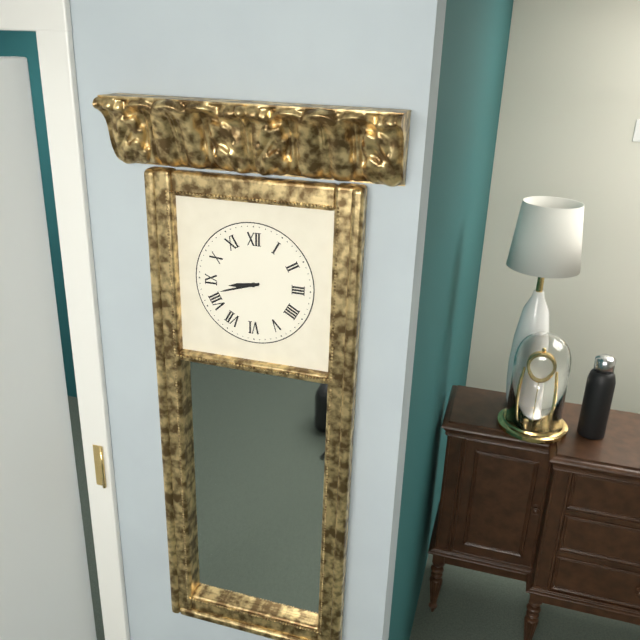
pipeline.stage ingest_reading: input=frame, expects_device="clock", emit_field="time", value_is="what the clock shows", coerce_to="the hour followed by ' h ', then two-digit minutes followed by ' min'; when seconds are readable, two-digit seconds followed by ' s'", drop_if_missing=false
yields 8 h 42 min
